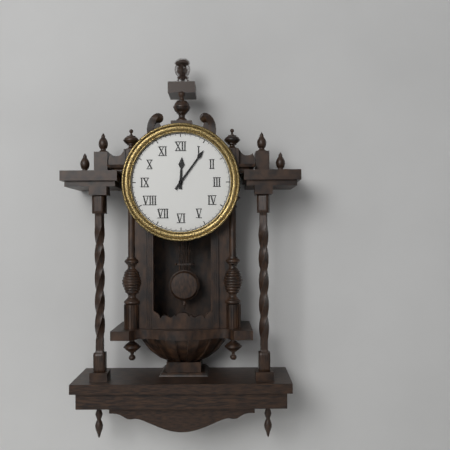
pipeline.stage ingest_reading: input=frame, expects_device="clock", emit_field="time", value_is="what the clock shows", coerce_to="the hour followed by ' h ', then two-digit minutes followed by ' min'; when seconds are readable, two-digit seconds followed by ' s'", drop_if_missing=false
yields 12 h 06 min
